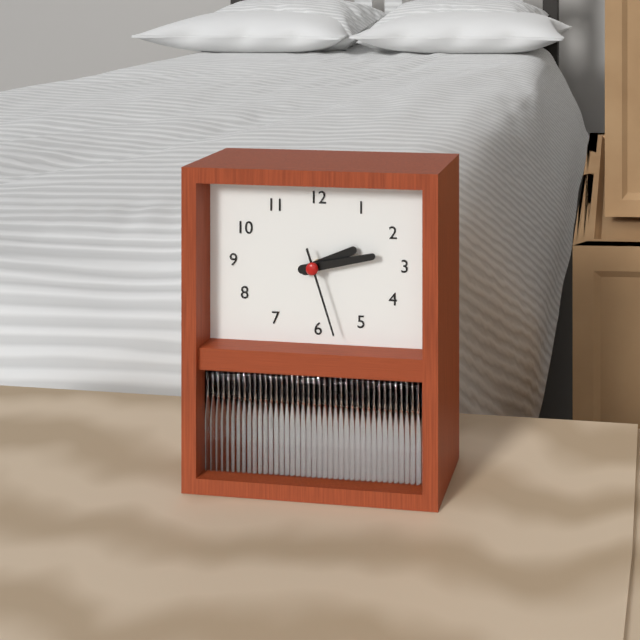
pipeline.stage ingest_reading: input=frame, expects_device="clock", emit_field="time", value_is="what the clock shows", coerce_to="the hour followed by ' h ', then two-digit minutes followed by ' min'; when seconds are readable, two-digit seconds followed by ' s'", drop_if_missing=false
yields 2 h 13 min 27 s
